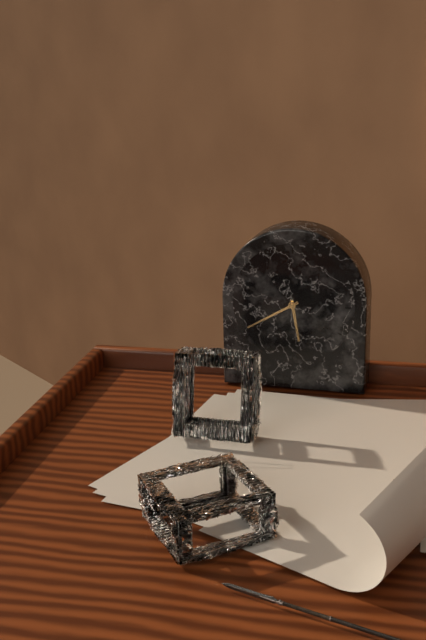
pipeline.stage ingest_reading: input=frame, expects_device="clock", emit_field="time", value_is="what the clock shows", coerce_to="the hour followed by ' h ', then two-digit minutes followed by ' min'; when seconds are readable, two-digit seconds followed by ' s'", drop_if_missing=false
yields 5 h 40 min
